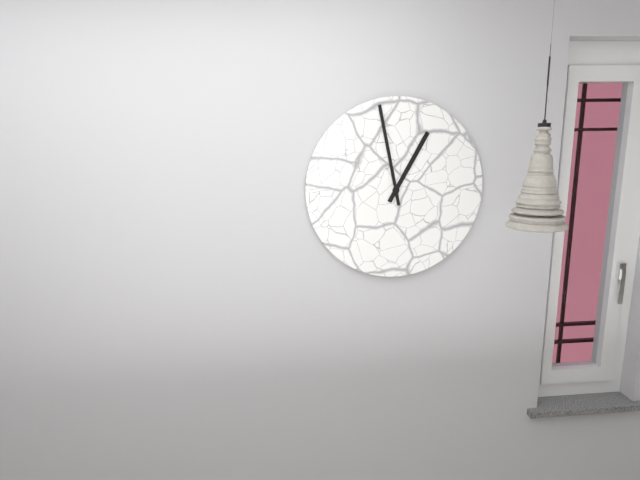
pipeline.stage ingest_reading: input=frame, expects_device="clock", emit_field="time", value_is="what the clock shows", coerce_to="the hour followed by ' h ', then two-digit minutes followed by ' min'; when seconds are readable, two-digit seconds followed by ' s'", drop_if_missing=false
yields 12 h 58 min
